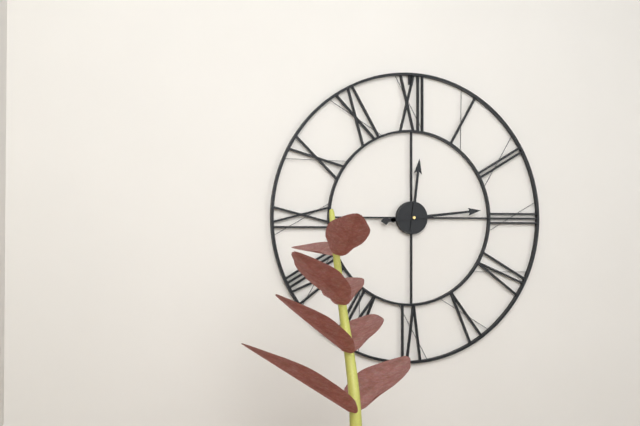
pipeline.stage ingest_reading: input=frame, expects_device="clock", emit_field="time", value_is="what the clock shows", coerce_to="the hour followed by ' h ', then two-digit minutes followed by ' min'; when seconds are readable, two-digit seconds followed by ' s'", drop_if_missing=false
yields 12 h 14 min
